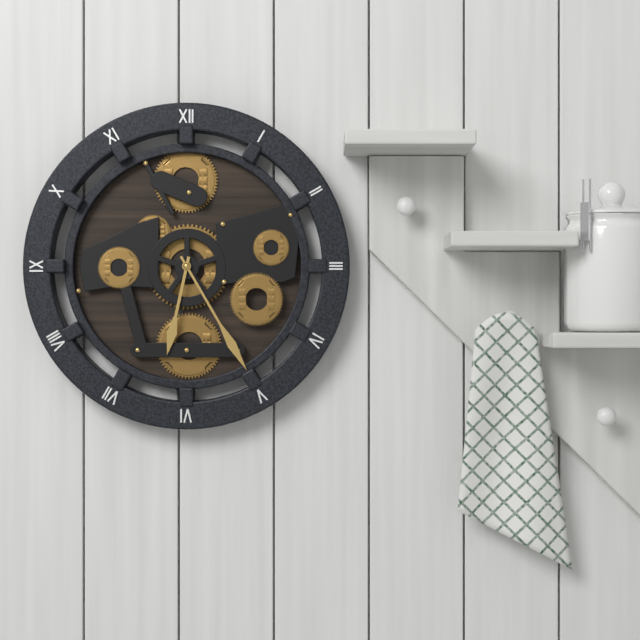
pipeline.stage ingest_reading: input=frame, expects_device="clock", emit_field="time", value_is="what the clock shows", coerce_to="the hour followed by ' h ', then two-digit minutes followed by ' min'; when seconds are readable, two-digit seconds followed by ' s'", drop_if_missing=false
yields 6 h 25 min
